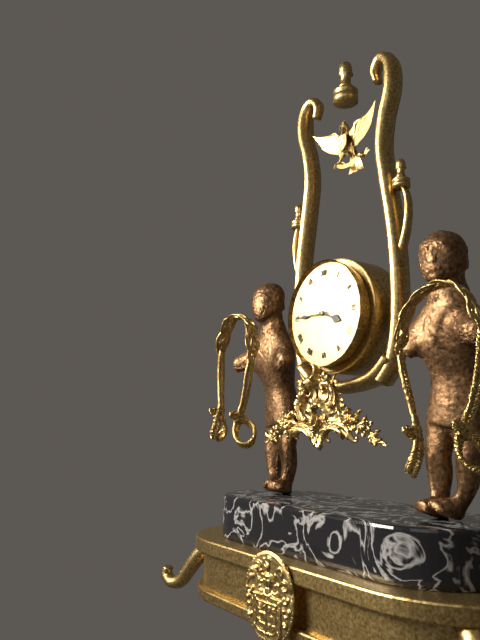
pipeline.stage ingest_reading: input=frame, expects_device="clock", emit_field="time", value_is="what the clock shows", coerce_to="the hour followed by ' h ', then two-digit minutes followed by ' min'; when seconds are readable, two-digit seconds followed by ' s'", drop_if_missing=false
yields 3 h 45 min
